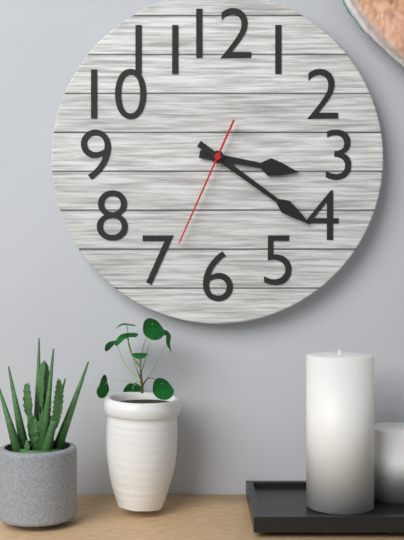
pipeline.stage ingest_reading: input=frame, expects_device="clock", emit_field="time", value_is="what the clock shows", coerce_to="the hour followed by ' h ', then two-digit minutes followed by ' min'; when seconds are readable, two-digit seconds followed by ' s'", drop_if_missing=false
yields 3 h 21 min 34 s
